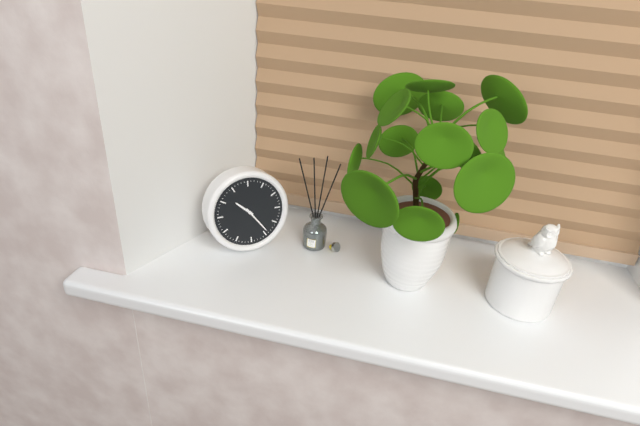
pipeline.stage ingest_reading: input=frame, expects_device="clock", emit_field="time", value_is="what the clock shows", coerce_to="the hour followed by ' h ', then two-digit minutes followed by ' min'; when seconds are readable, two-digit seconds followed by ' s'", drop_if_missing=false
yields 10 h 24 min
